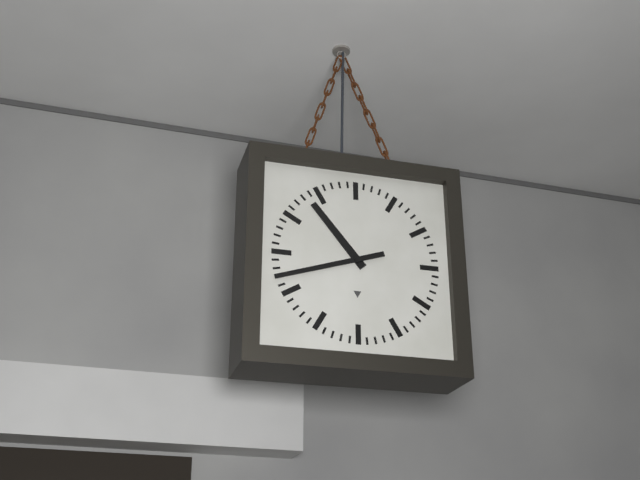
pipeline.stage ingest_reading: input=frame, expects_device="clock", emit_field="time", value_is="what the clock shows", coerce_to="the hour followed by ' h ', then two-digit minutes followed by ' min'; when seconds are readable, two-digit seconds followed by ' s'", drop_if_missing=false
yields 10 h 42 min
